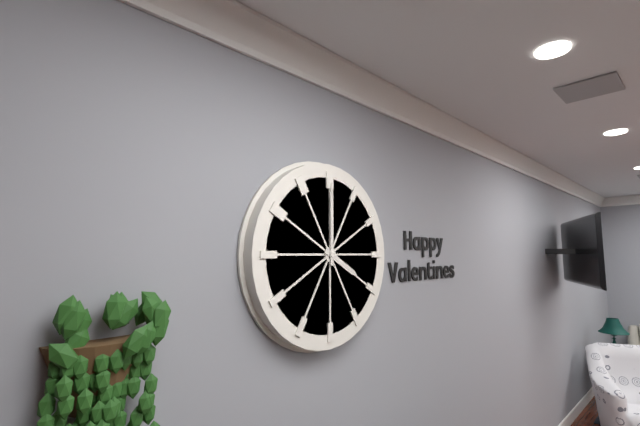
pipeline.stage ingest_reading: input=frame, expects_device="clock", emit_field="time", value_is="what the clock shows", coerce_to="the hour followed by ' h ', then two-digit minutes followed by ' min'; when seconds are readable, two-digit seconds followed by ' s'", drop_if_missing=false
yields 4 h 00 min
